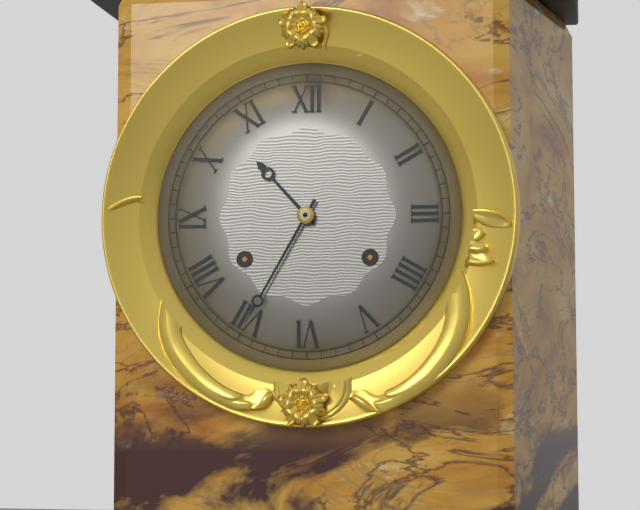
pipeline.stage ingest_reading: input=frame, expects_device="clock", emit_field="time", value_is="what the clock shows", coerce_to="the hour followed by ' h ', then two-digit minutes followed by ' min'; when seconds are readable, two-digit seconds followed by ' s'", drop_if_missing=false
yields 10 h 35 min
